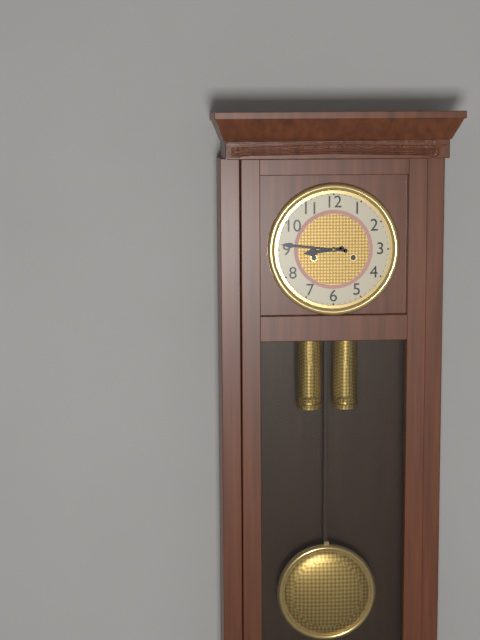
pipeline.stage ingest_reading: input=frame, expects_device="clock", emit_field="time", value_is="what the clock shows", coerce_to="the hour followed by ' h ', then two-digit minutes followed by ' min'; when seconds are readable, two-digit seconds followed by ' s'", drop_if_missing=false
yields 8 h 46 min
